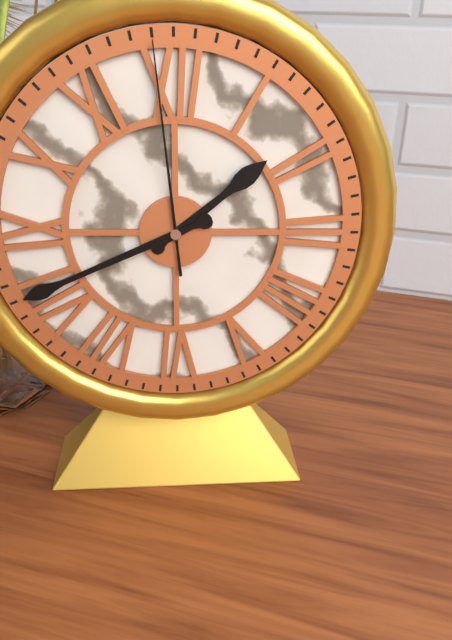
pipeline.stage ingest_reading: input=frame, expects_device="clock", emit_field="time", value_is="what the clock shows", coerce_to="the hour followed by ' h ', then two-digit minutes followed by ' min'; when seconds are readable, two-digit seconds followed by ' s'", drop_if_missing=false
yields 1 h 41 min 59 s
